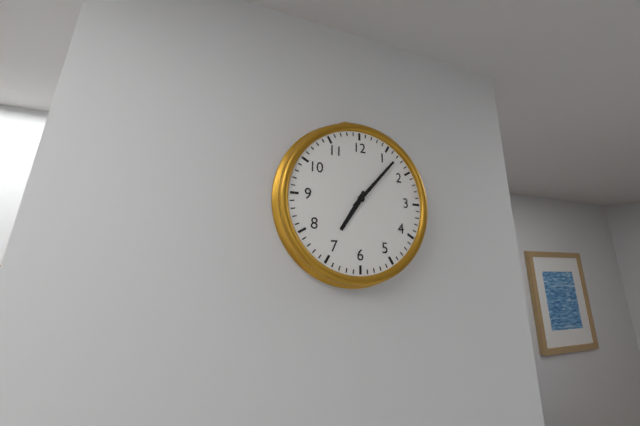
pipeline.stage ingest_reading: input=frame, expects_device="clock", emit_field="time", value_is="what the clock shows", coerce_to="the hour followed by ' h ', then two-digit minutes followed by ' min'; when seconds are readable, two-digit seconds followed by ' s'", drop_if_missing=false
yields 7 h 07 min
